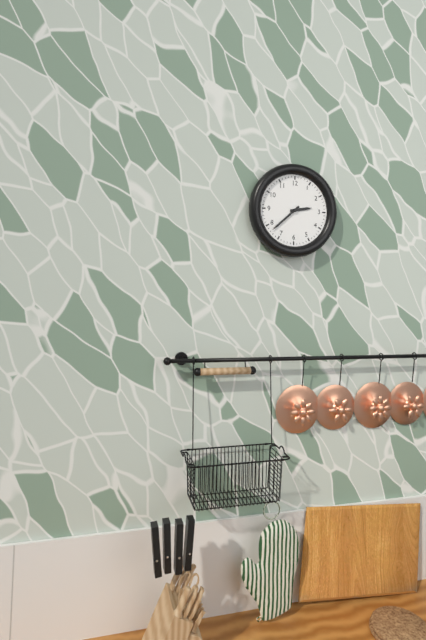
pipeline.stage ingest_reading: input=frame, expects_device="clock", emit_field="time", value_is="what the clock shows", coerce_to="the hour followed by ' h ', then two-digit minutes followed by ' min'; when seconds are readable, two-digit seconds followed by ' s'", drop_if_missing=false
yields 2 h 38 min
